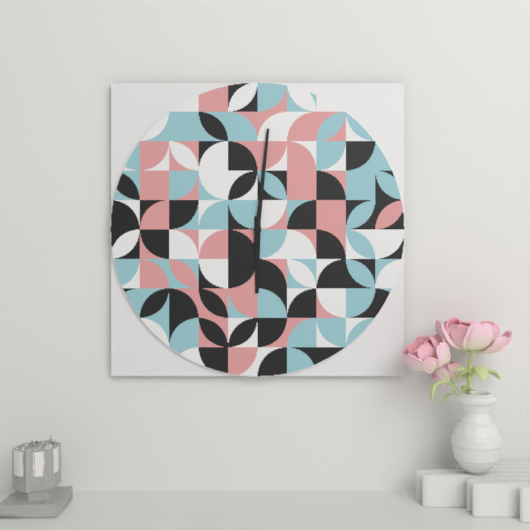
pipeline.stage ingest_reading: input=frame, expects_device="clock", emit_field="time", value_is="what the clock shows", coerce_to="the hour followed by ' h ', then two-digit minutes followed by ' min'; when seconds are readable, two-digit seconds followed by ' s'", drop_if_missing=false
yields 6 h 01 min
